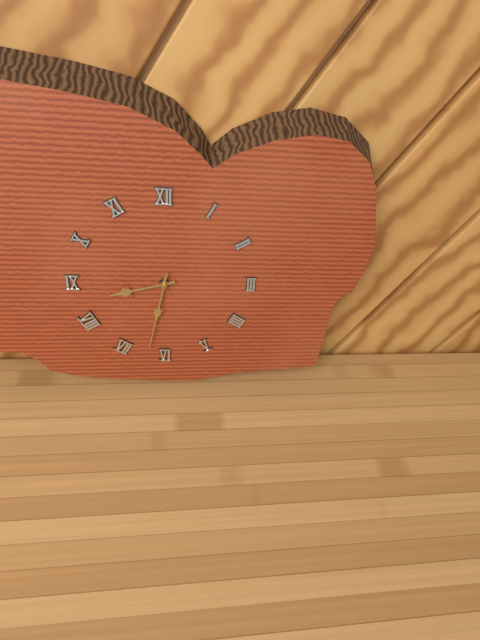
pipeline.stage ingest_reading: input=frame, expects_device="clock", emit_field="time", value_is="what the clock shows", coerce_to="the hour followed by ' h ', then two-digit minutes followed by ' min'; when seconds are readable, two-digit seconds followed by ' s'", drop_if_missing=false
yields 8 h 32 min
